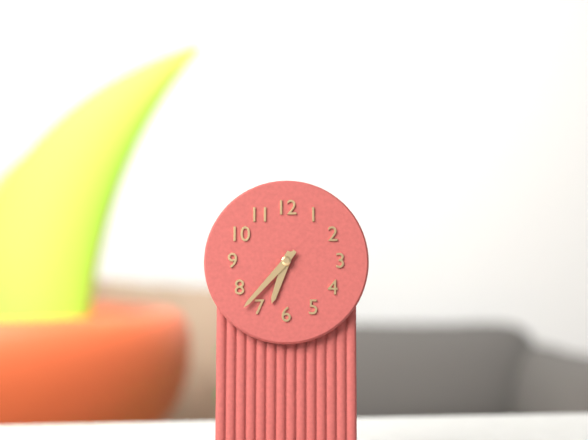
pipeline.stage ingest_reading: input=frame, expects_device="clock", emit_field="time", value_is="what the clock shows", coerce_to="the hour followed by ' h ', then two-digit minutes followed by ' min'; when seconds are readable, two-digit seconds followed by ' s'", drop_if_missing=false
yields 6 h 37 min
